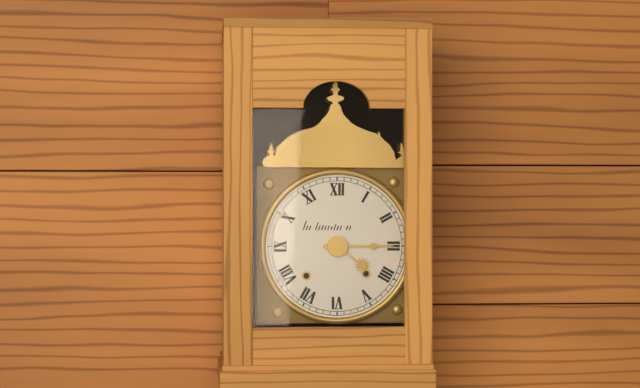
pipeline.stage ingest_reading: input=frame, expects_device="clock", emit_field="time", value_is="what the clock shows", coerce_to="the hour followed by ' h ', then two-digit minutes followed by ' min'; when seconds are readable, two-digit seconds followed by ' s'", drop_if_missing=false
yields 4 h 15 min
